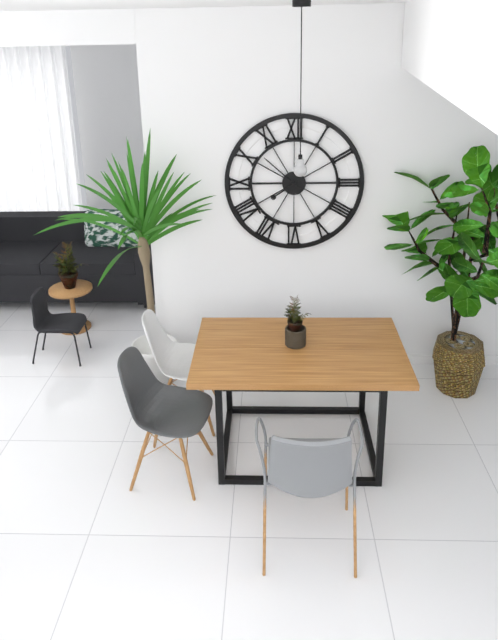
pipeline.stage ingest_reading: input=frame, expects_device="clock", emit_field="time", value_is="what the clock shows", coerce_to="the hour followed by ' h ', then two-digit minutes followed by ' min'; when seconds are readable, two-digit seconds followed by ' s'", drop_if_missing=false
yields 7 h 52 min
